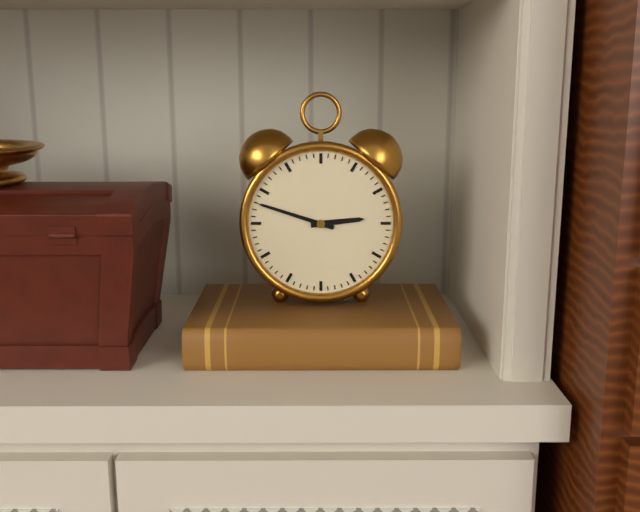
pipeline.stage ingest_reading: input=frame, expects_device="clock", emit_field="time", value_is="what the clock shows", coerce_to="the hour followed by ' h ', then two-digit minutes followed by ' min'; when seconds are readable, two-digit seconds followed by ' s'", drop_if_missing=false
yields 2 h 48 min
